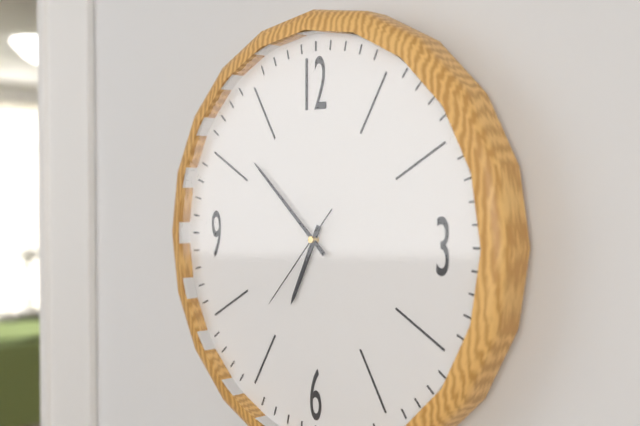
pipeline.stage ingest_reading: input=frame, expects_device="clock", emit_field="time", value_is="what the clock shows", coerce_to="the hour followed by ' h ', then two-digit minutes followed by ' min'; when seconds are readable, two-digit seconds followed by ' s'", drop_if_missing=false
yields 6 h 52 min 37 s
